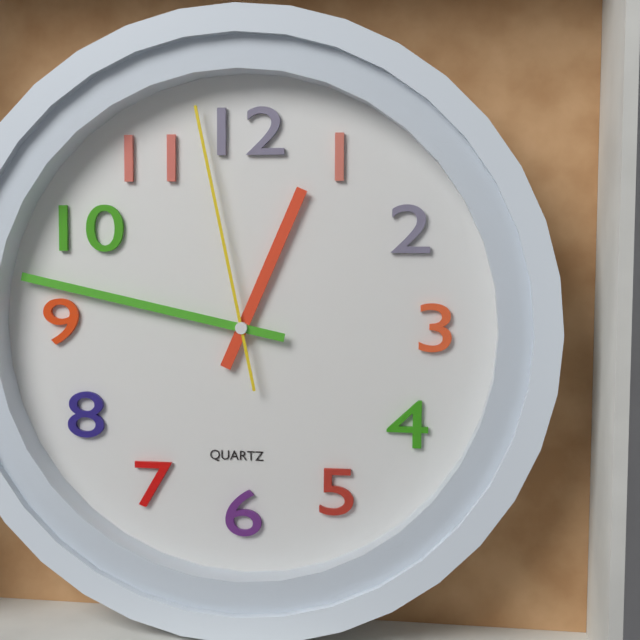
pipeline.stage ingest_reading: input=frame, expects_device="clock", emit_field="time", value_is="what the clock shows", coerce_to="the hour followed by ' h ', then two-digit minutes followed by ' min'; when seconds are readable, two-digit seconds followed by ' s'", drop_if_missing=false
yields 12 h 47 min 58 s
